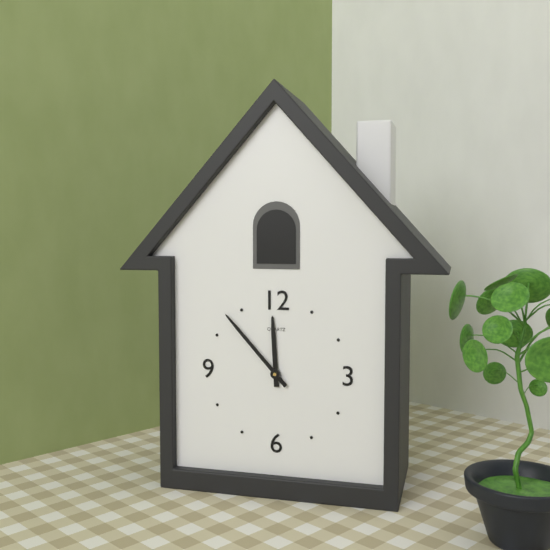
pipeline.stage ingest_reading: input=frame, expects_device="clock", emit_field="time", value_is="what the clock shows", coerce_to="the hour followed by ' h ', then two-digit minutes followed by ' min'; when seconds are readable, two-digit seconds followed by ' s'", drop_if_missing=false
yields 11 h 53 min
